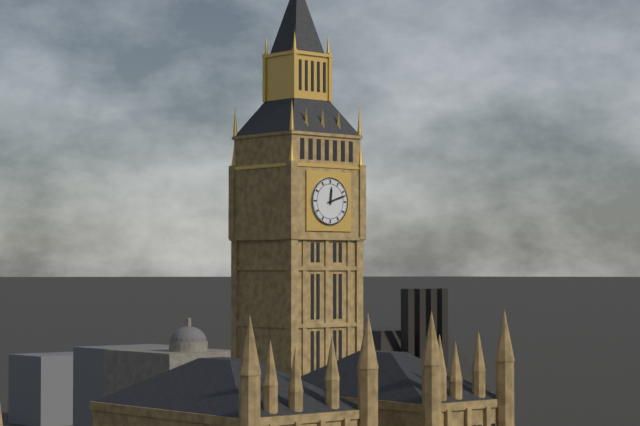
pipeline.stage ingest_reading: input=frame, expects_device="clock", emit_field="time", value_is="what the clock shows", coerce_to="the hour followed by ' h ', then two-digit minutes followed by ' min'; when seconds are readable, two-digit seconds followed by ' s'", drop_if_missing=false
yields 12 h 12 min
